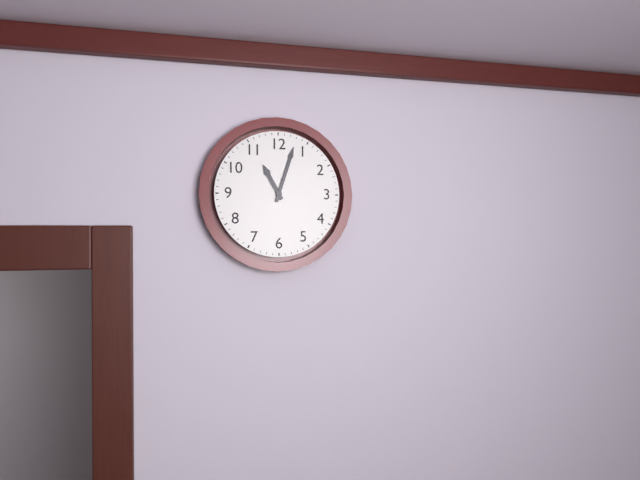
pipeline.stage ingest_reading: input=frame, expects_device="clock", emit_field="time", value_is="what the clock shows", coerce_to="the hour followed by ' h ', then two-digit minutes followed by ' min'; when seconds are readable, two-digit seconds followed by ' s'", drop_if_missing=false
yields 11 h 03 min
